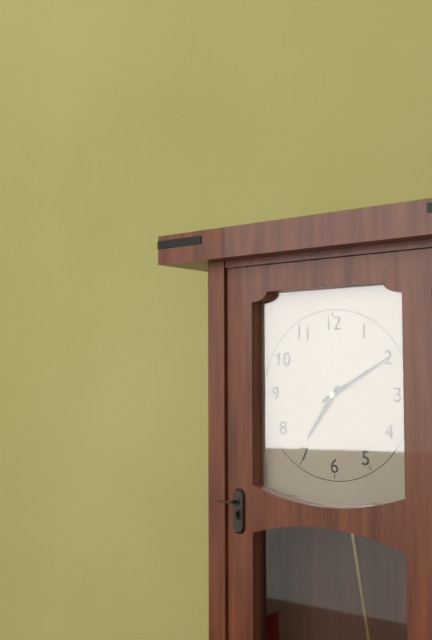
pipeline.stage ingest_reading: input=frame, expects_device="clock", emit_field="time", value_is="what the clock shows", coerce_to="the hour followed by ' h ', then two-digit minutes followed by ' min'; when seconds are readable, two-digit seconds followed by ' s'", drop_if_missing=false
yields 7 h 10 min
